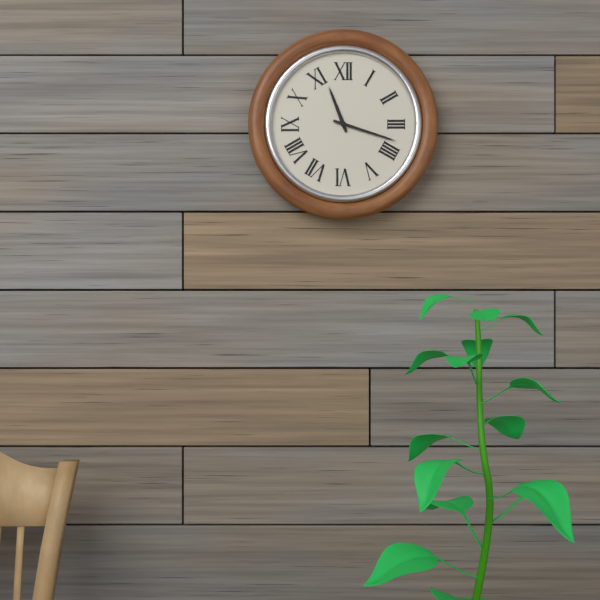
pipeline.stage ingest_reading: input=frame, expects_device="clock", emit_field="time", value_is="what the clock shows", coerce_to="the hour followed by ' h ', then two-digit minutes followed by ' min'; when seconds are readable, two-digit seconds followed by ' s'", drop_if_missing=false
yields 11 h 18 min
